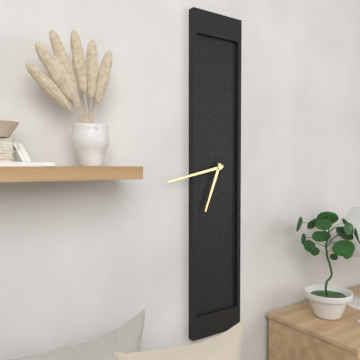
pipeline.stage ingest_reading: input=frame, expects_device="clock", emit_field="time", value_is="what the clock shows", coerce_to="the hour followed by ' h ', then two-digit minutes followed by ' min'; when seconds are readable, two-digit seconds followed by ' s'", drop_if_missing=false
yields 6 h 43 min
